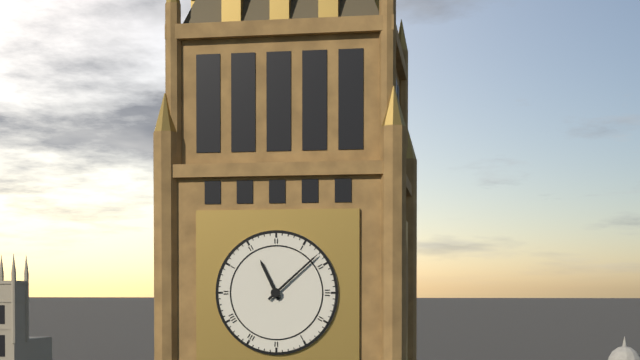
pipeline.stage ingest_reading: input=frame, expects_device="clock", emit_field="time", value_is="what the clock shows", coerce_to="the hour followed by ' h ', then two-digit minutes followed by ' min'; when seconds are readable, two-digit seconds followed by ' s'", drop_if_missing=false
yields 11 h 08 min
